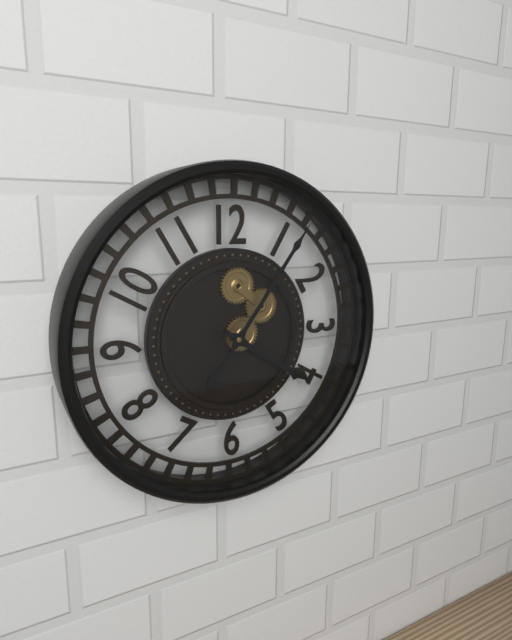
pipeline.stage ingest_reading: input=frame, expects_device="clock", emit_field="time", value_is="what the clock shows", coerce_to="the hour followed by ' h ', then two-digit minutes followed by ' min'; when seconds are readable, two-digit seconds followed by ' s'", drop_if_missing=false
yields 4 h 06 min
